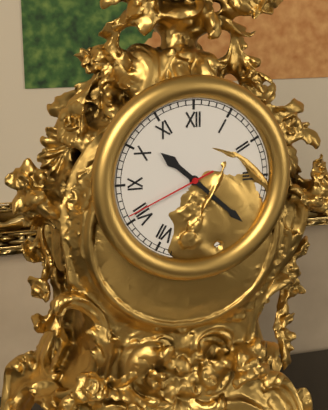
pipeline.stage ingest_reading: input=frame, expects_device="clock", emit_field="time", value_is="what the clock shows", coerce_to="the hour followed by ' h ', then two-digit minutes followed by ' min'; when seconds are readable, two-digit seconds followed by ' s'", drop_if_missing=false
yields 10 h 22 min 41 s
